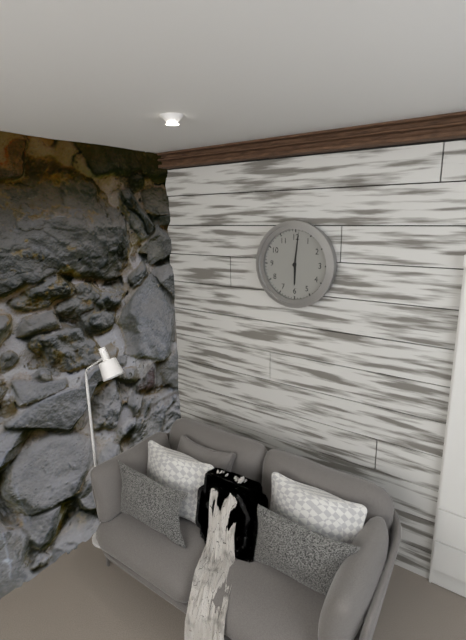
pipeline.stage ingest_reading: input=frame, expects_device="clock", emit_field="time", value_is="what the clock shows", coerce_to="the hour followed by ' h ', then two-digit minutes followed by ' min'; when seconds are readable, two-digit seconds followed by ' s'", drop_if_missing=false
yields 6 h 01 min
